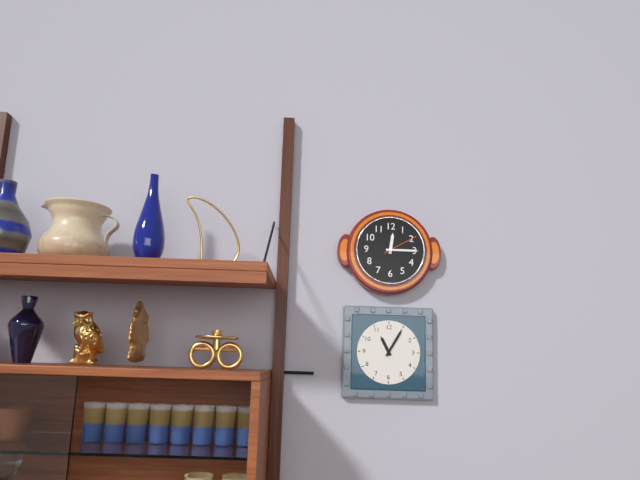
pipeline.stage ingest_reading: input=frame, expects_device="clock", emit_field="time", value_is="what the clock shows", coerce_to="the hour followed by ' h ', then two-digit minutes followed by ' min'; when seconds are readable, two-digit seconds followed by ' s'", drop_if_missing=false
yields 12 h 15 min
